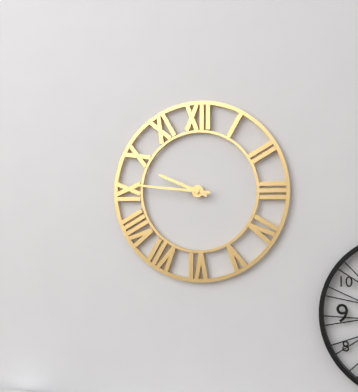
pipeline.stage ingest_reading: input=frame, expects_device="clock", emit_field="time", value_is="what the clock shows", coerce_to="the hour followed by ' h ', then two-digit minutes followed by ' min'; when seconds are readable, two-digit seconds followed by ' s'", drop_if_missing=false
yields 9 h 46 min
